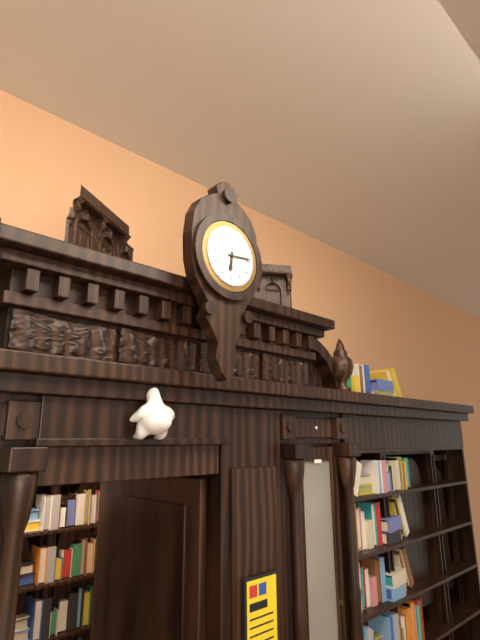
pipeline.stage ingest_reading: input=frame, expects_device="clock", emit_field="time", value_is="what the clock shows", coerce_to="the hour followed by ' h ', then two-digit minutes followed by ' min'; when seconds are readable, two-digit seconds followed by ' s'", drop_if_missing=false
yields 6 h 14 min
